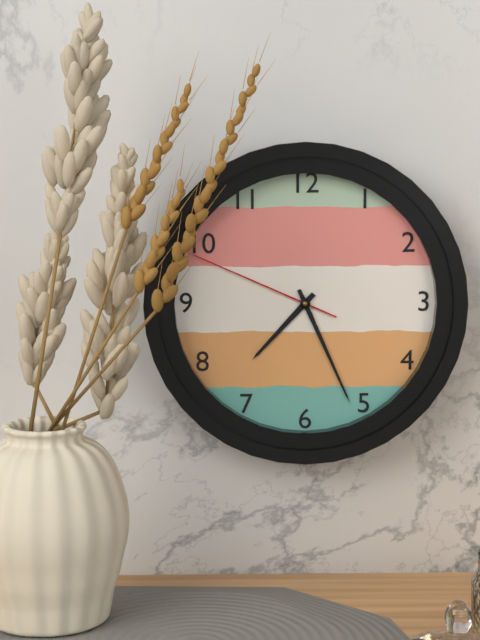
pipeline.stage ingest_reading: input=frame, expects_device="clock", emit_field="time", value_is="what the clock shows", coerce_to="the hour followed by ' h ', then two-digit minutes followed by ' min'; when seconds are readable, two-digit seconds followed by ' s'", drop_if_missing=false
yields 7 h 26 min 49 s
